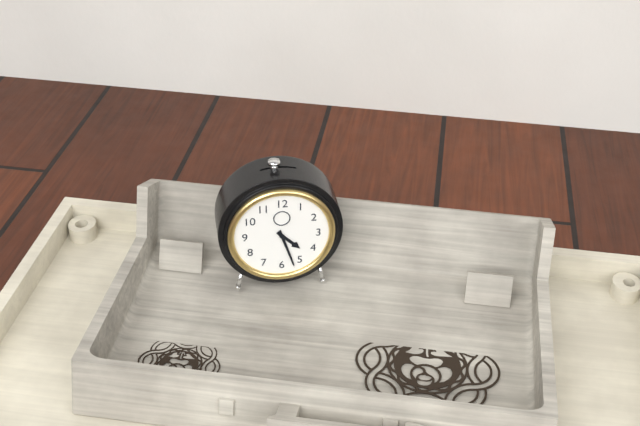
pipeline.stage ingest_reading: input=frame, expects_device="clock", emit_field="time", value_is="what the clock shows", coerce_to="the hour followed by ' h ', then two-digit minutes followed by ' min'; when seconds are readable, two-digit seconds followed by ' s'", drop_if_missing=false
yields 4 h 27 min
